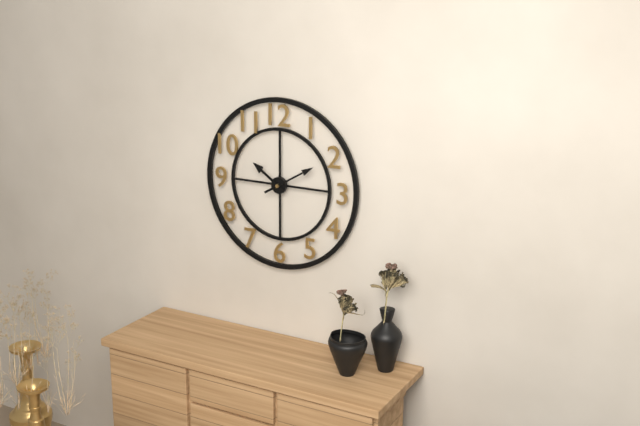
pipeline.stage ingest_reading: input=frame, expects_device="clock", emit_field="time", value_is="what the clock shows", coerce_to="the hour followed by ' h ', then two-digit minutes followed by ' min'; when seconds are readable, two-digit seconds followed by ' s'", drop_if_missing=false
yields 10 h 10 min
